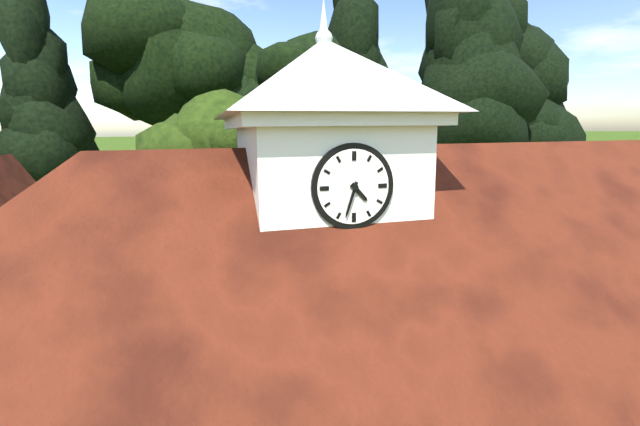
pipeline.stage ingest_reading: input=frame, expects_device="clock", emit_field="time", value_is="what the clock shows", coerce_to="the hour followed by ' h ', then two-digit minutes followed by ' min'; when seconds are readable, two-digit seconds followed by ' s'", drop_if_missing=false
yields 4 h 33 min
